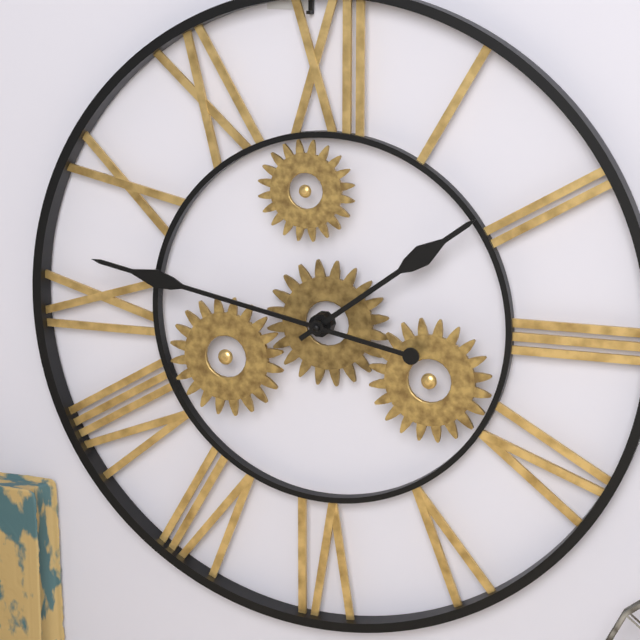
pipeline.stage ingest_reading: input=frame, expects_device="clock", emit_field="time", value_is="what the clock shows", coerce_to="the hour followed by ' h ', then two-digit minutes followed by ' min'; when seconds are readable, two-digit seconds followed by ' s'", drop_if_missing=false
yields 1 h 47 min
